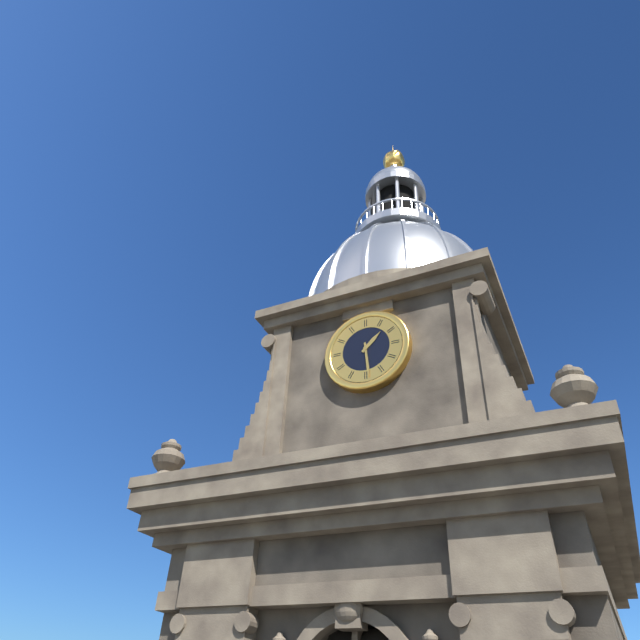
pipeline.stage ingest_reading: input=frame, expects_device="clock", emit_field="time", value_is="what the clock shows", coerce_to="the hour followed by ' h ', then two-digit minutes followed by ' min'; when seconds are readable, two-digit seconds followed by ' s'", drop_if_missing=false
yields 1 h 29 min
